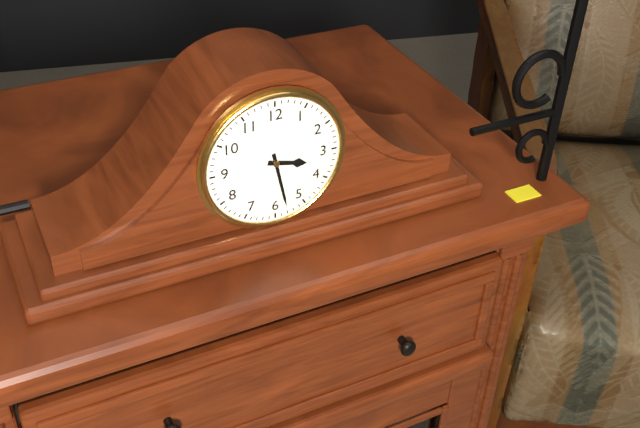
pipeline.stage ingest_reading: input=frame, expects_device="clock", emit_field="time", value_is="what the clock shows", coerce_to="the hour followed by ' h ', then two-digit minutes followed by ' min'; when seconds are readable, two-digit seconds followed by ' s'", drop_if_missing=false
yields 3 h 28 min
